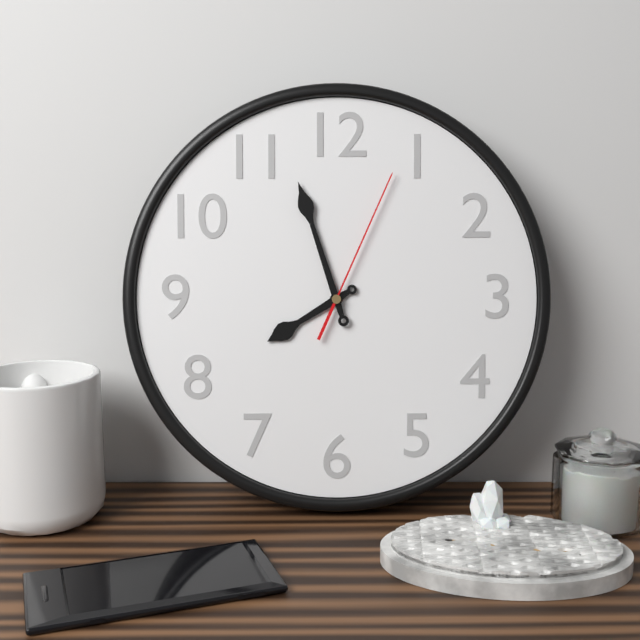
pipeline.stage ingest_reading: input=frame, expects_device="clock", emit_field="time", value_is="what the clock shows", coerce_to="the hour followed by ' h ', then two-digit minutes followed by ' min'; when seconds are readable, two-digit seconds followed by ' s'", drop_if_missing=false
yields 7 h 57 min 04 s
